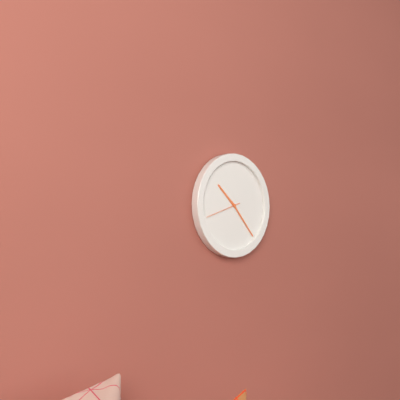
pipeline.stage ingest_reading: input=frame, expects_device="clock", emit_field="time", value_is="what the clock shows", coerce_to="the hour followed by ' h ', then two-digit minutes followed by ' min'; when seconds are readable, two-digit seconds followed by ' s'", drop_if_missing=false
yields 10 h 23 min
